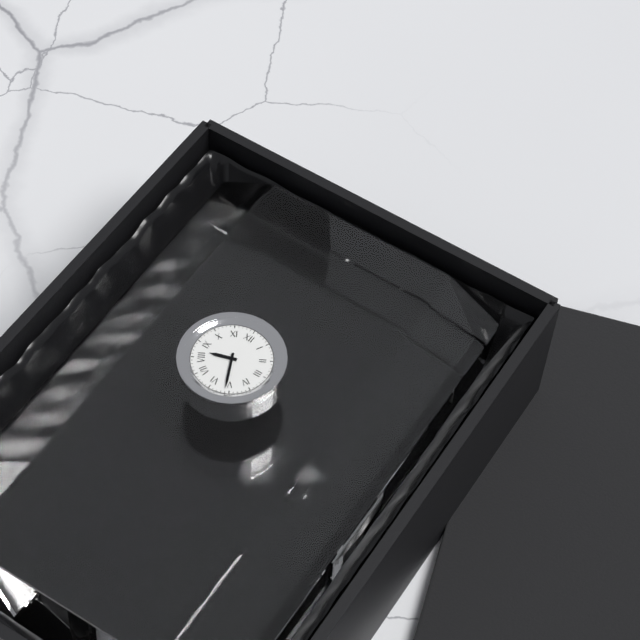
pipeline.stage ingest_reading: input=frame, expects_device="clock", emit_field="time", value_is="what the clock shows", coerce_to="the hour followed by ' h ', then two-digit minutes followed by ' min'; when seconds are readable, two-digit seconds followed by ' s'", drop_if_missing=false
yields 8 h 26 min
